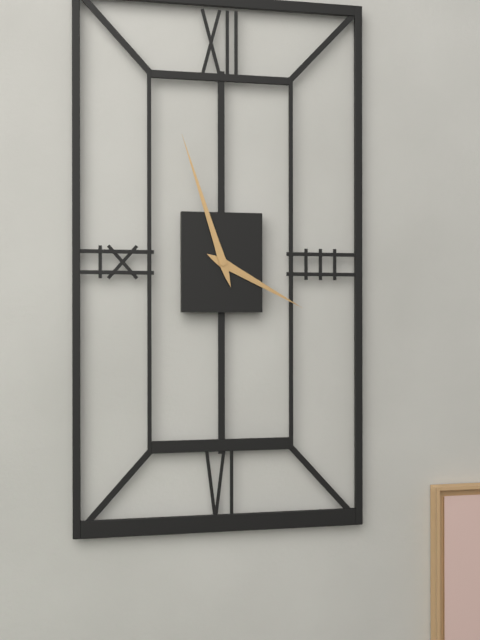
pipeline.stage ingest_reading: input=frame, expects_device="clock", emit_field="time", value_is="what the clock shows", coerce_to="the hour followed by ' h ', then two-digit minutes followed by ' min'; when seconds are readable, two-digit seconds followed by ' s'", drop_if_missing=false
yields 3 h 57 min
